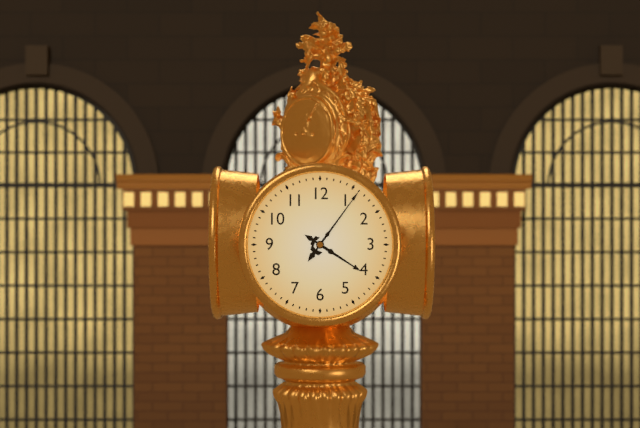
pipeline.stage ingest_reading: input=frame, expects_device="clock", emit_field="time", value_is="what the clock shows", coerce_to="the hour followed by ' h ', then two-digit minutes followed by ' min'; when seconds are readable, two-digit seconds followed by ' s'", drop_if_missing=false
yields 4 h 06 min
